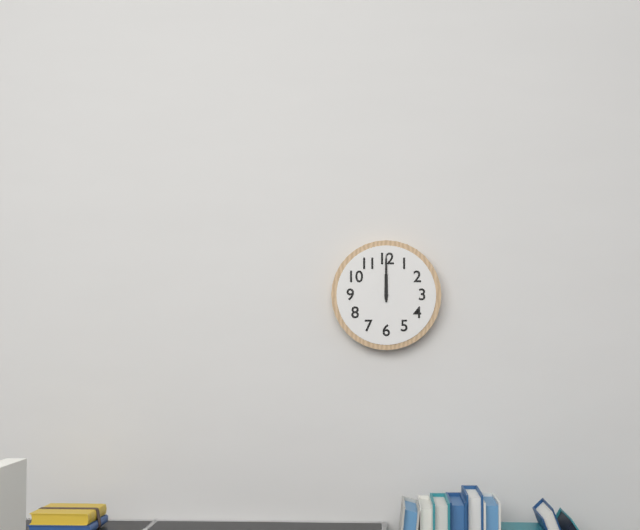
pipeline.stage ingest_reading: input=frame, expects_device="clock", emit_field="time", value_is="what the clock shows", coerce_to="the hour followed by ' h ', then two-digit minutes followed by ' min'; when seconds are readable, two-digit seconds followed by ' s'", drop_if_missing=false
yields 12 h 00 min
